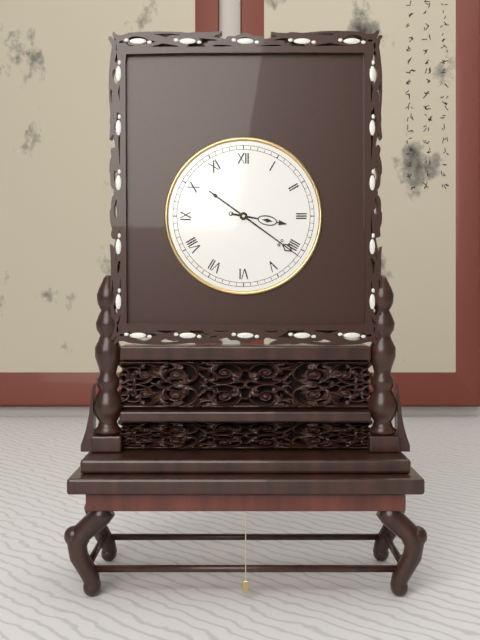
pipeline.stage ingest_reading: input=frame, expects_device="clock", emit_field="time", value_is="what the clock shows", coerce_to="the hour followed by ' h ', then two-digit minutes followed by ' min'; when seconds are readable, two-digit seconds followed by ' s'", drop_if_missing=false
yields 3 h 21 min
